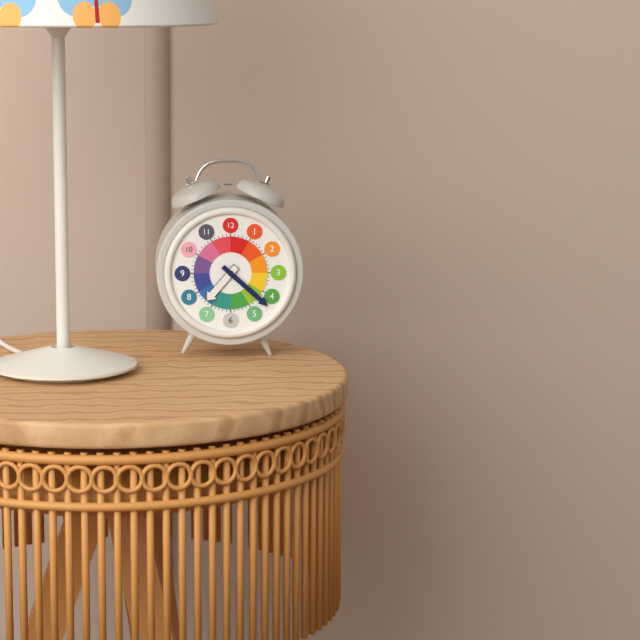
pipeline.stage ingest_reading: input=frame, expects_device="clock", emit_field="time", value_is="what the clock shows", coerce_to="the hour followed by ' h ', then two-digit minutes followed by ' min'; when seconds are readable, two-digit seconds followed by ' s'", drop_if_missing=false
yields 7 h 22 min
